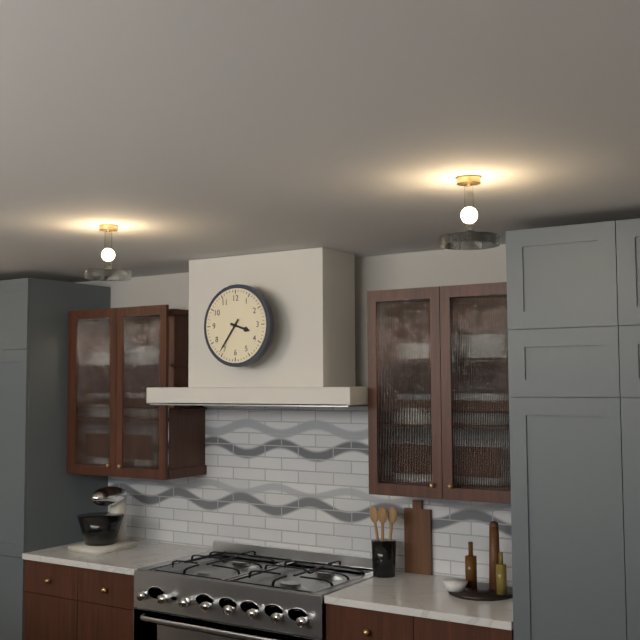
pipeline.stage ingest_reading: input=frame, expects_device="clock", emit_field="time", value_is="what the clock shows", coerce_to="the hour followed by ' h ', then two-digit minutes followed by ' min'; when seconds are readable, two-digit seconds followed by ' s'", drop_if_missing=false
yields 3 h 36 min
